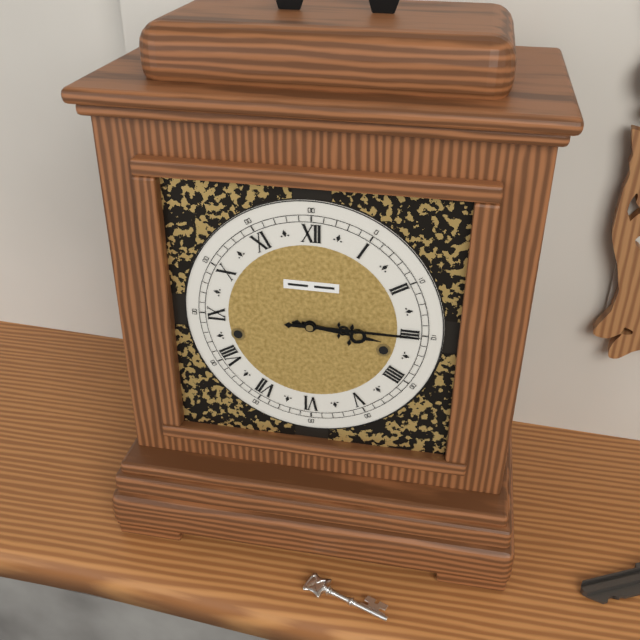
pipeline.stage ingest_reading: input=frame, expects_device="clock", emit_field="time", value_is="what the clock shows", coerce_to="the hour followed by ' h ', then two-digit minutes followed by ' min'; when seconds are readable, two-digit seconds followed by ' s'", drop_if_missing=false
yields 3 h 15 min
